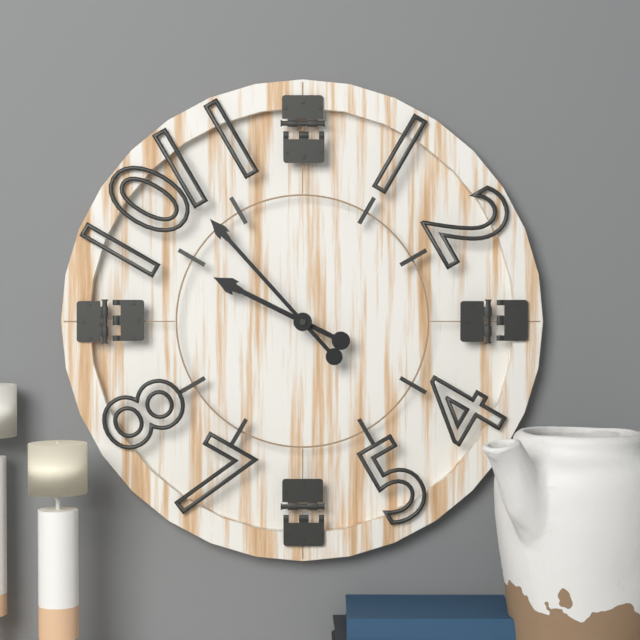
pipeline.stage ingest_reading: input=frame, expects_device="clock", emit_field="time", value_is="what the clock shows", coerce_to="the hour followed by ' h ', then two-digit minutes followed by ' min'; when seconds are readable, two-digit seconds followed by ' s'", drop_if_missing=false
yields 9 h 53 min
